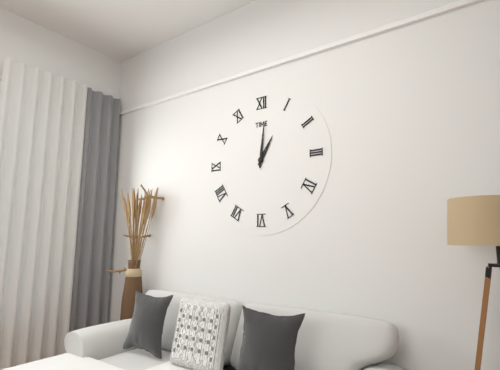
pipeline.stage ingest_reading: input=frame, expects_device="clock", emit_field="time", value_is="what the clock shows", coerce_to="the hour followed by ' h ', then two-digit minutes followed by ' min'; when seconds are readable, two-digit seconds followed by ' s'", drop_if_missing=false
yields 1 h 01 min
